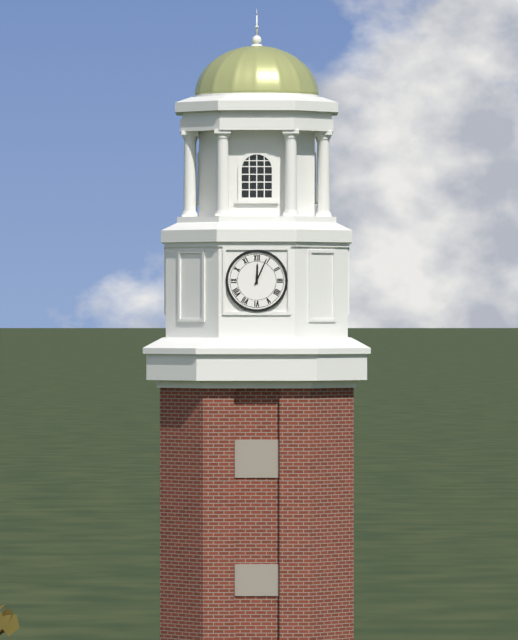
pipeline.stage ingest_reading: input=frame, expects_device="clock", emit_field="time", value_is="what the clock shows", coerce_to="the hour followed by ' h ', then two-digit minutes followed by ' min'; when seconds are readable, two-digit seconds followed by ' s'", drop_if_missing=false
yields 12 h 04 min
